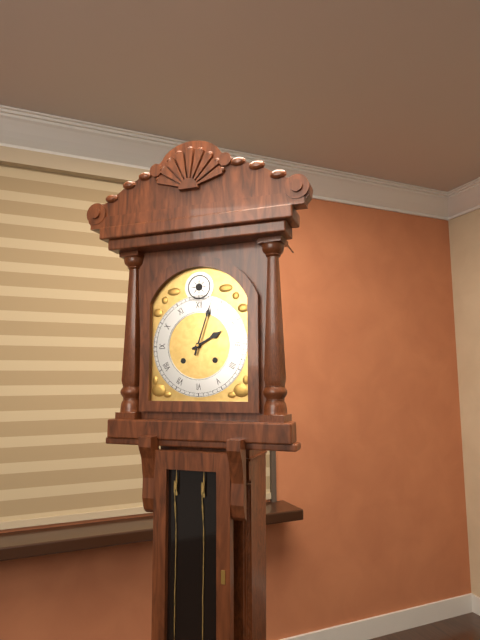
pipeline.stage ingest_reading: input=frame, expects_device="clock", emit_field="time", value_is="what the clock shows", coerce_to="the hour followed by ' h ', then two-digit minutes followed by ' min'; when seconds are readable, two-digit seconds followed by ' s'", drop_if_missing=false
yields 2 h 03 min
